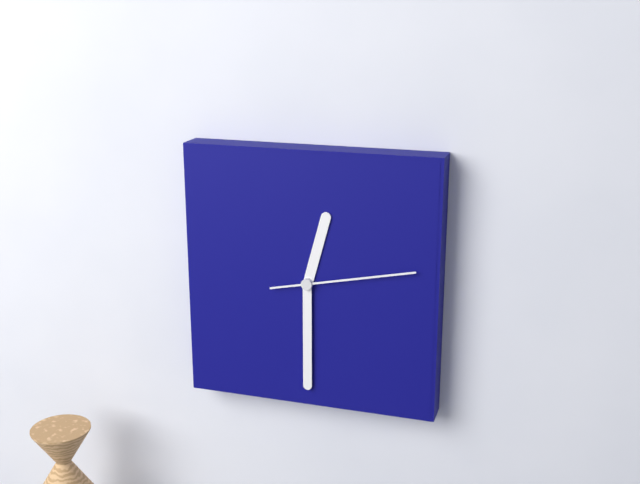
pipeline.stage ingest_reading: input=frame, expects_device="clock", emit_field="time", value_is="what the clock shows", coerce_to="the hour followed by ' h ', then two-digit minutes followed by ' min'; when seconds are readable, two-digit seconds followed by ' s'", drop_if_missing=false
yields 12 h 30 min 13 s
